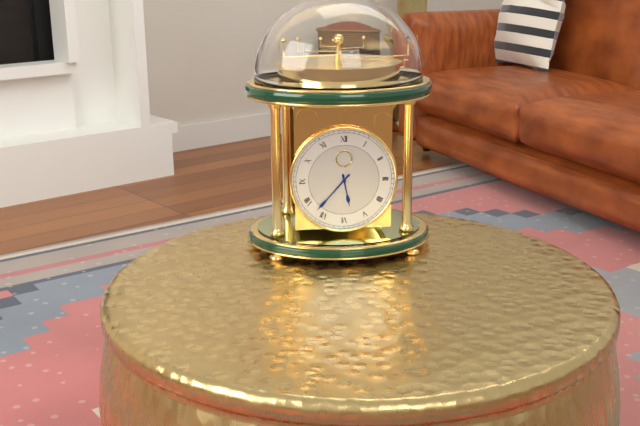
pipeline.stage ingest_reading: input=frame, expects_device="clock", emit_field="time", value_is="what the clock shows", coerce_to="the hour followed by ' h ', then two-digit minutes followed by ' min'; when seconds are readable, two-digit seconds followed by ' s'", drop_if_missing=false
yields 5 h 37 min
